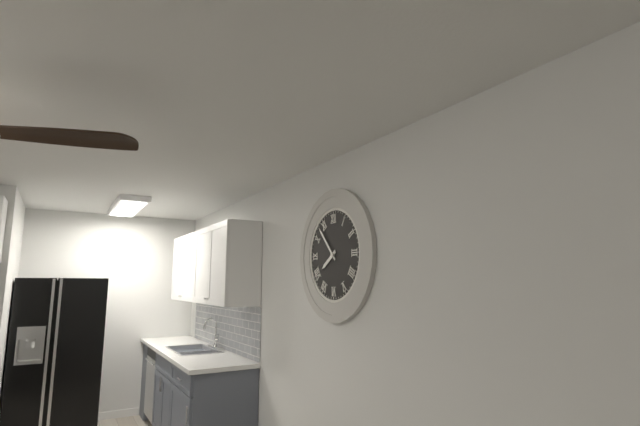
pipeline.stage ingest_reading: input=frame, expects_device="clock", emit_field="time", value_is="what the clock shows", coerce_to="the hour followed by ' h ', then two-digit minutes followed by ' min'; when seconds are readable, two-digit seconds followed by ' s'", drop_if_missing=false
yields 7 h 53 min
